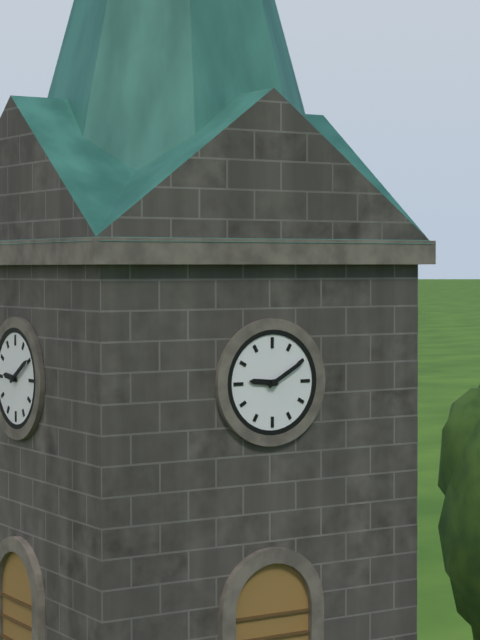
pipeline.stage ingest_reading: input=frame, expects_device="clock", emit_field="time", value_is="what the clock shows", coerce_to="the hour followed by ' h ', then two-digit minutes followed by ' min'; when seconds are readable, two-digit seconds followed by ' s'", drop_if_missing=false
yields 9 h 10 min
